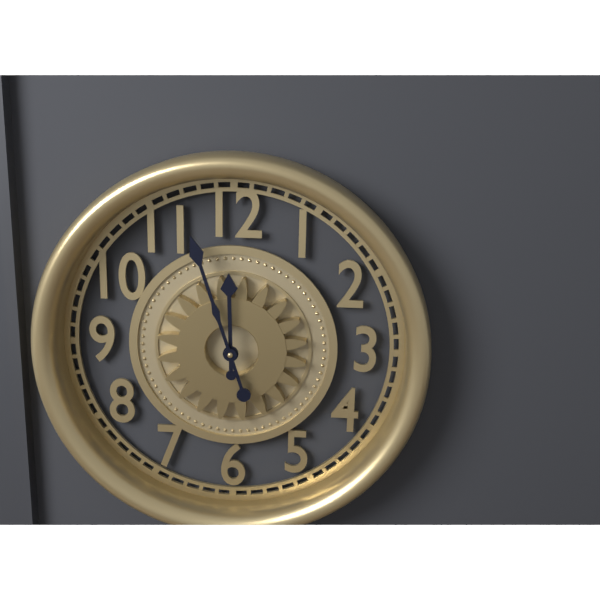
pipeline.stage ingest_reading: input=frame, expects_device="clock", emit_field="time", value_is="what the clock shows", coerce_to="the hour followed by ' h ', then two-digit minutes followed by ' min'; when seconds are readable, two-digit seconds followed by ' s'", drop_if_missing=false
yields 11 h 57 min
